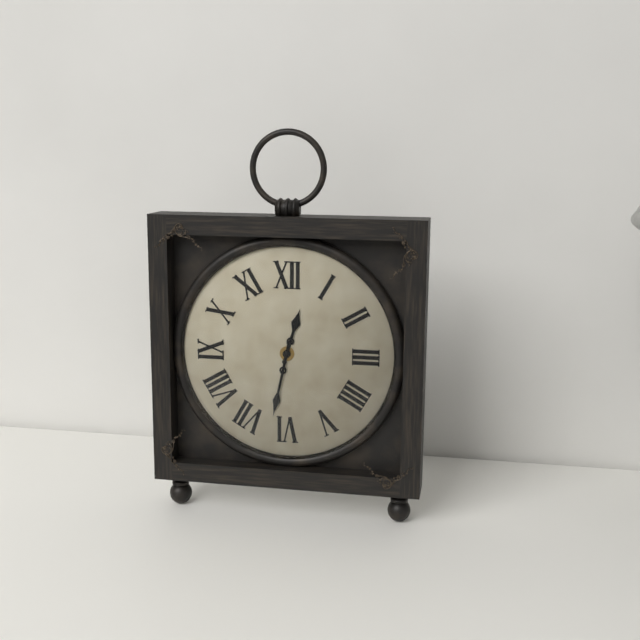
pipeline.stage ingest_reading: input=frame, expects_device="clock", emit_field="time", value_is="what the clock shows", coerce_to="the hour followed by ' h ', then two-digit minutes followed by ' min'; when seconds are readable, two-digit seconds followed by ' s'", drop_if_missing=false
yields 12 h 32 min
